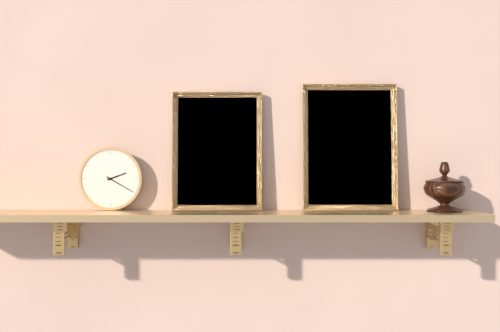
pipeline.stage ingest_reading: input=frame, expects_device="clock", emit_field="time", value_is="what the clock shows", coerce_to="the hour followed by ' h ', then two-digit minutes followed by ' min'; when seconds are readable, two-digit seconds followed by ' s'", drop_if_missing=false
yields 2 h 20 min
